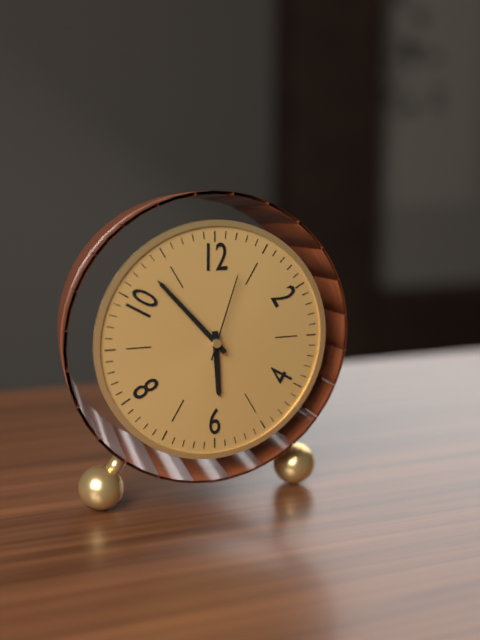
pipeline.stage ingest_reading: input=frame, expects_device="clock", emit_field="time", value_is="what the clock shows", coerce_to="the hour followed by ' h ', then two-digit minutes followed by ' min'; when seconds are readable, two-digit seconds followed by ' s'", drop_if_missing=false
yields 5 h 53 min 03 s
